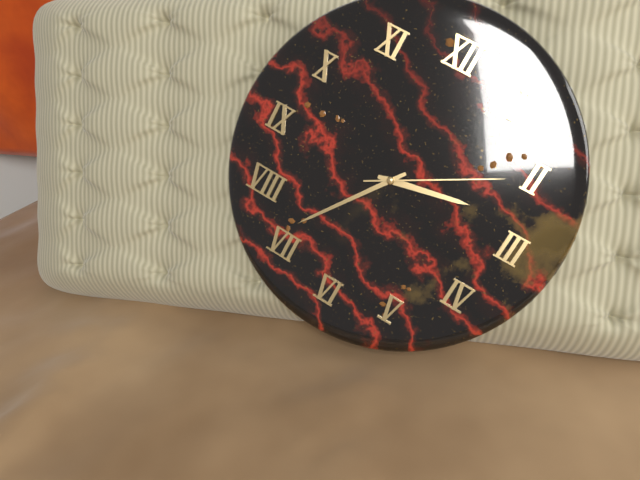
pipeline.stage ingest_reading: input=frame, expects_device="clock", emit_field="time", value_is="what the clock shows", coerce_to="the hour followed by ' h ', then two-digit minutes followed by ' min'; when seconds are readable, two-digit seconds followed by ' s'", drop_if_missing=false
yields 2 h 36 min 10 s
